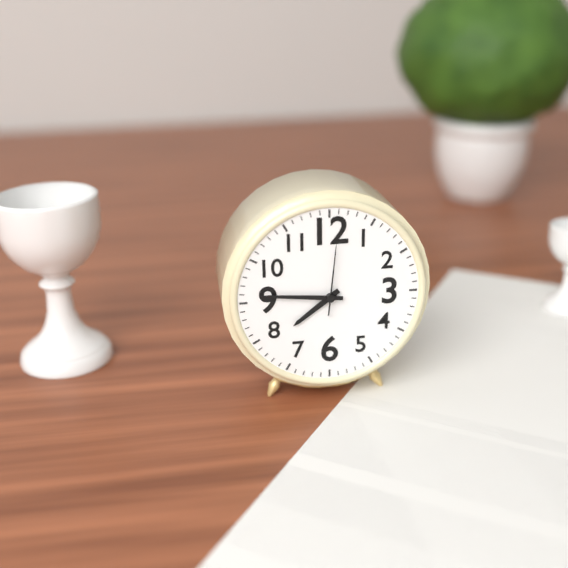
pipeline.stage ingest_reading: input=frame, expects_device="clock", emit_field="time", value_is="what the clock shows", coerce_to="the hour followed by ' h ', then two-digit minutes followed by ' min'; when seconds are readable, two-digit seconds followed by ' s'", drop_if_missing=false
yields 7 h 46 min 01 s
